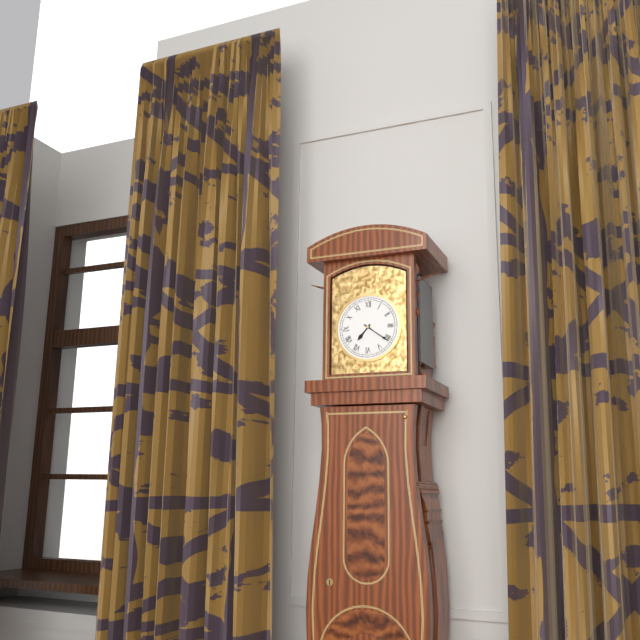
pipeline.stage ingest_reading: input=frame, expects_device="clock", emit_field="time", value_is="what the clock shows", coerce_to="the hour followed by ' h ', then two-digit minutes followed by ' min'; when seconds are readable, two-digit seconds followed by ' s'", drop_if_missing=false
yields 7 h 21 min
